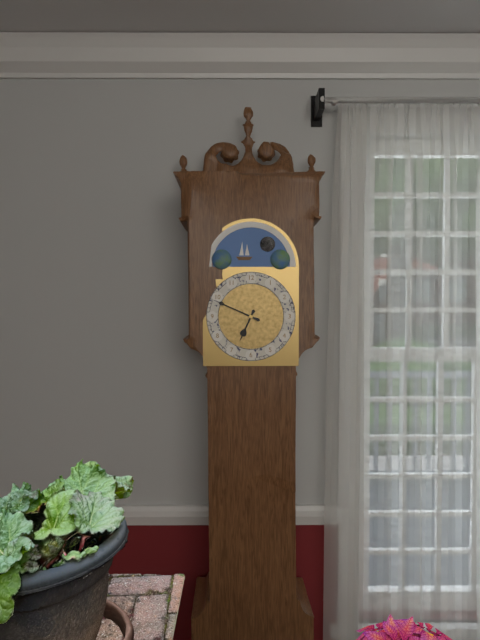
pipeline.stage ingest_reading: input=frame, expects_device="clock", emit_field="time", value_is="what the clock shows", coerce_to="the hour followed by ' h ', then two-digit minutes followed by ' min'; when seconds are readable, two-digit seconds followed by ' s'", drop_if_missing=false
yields 6 h 49 min
